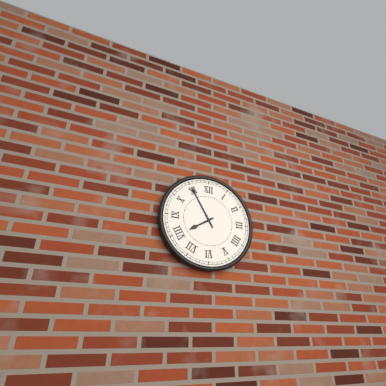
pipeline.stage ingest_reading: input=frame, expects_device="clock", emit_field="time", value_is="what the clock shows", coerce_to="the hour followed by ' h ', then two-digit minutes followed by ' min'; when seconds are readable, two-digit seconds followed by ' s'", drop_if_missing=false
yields 7 h 55 min
